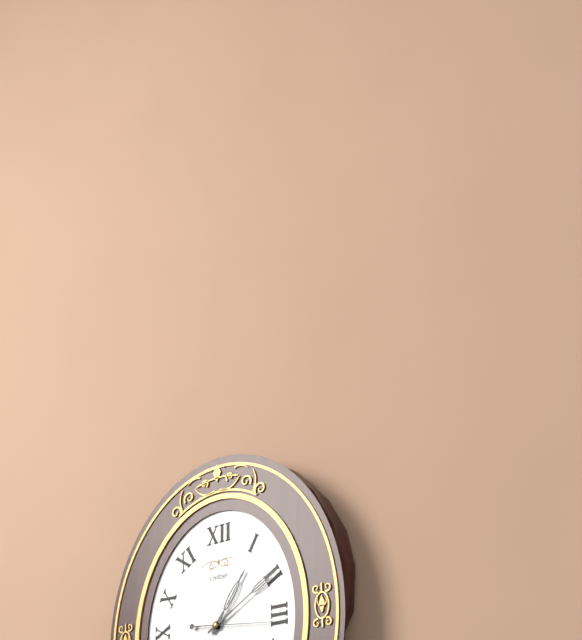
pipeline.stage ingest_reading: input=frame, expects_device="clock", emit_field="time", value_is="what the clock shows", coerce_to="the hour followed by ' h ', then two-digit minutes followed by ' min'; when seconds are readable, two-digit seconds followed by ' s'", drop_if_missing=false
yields 1 h 10 min 16 s
